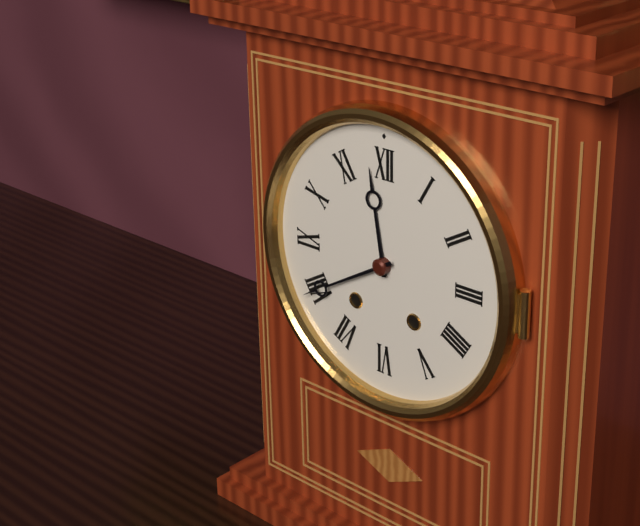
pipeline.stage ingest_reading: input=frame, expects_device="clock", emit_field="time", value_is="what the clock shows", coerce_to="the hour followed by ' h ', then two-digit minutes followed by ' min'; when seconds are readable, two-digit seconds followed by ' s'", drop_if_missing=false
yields 11 h 40 min
